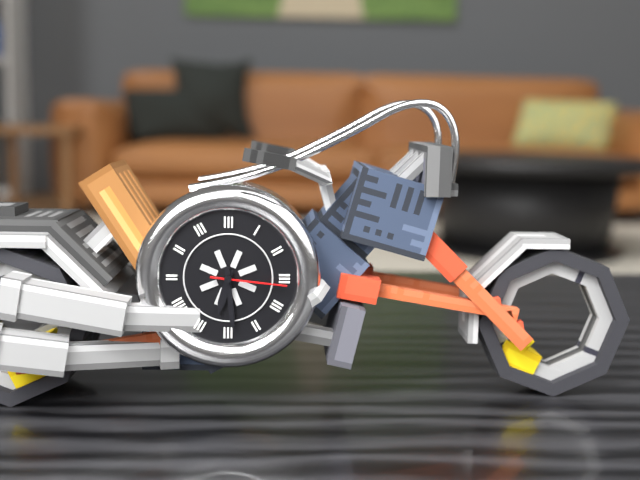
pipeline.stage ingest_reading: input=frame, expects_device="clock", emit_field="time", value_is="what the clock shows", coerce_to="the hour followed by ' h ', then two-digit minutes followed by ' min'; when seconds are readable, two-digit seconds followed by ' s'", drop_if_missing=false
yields 6 h 29 min 16 s
